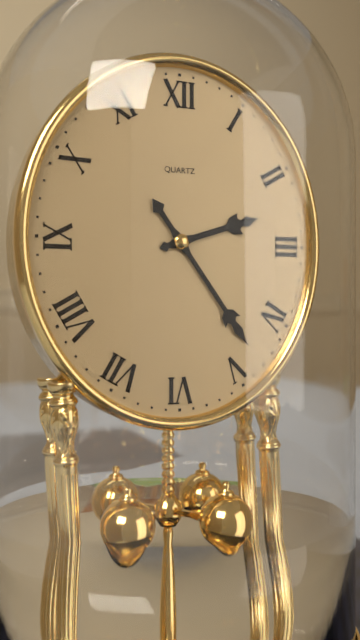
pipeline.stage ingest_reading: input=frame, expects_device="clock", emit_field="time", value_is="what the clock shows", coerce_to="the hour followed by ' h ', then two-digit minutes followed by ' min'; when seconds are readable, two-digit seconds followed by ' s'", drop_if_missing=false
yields 2 h 24 min
